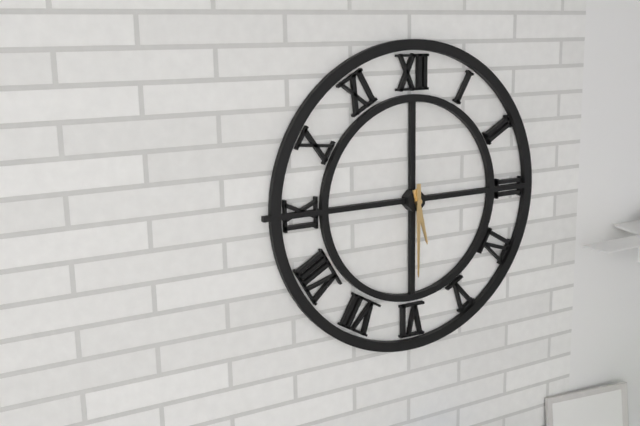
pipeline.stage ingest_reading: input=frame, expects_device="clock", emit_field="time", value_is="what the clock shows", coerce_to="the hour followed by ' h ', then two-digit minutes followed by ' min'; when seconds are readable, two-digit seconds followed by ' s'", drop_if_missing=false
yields 5 h 30 min
